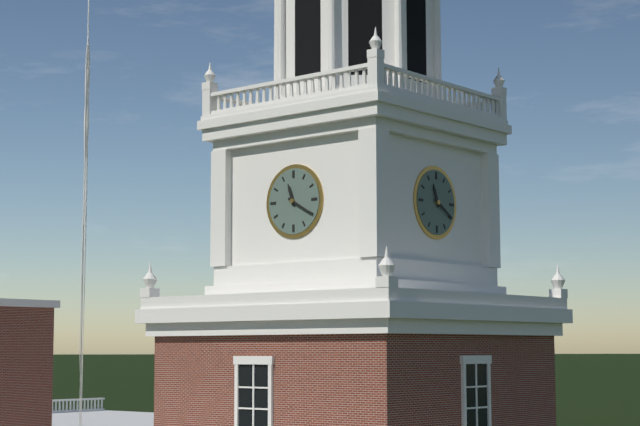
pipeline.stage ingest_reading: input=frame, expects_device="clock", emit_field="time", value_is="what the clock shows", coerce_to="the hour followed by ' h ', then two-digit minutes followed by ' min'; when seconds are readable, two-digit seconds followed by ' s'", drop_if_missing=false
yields 11 h 20 min
